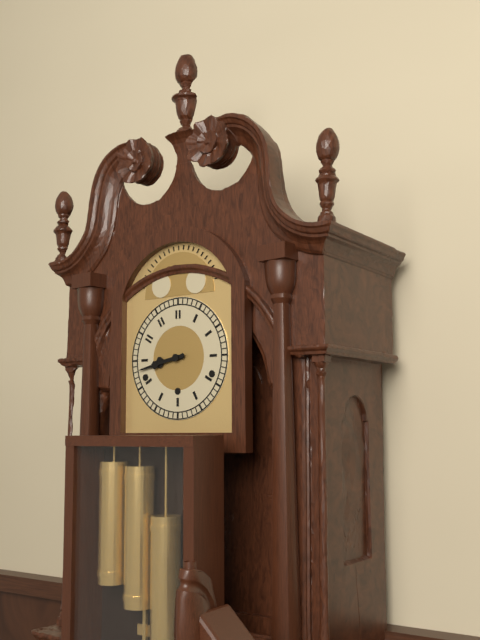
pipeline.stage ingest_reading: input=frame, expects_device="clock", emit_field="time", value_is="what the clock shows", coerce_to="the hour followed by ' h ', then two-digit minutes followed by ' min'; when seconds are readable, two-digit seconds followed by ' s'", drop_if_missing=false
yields 8 h 43 min
